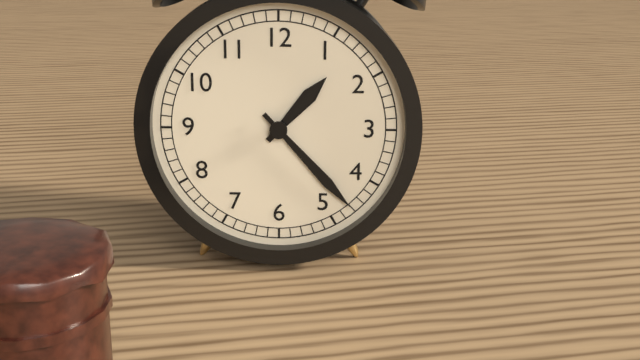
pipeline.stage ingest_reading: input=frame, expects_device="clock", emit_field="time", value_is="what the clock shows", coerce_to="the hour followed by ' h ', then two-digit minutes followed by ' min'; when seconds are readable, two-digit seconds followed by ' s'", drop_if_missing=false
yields 1 h 23 min
